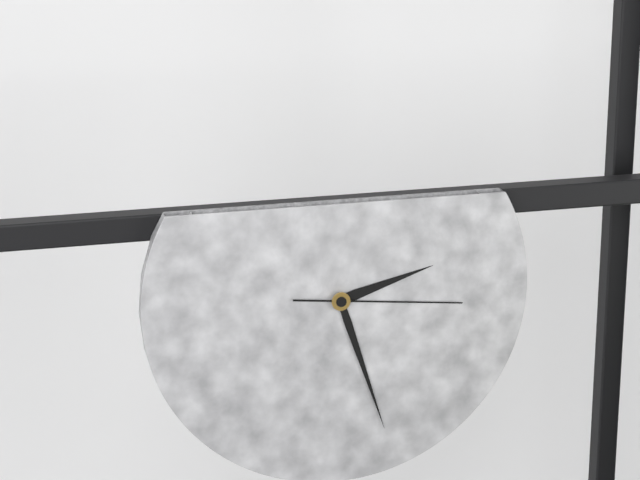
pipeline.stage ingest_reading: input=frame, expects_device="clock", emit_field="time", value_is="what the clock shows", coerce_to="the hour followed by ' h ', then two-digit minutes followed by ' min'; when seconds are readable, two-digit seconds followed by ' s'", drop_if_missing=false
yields 2 h 27 min 16 s
